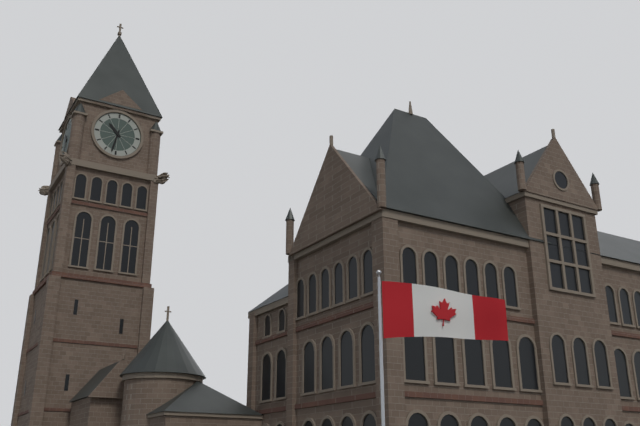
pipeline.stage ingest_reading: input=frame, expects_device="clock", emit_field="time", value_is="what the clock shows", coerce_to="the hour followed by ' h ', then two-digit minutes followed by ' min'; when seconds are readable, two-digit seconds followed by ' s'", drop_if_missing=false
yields 10 h 32 min
